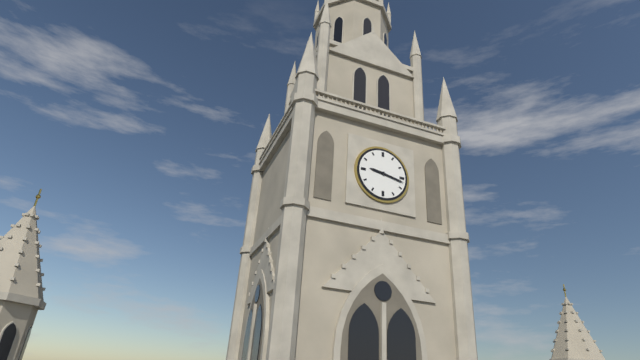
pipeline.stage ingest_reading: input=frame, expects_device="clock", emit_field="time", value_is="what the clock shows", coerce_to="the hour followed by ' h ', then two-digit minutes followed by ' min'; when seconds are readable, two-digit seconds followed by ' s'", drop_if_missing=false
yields 9 h 17 min
